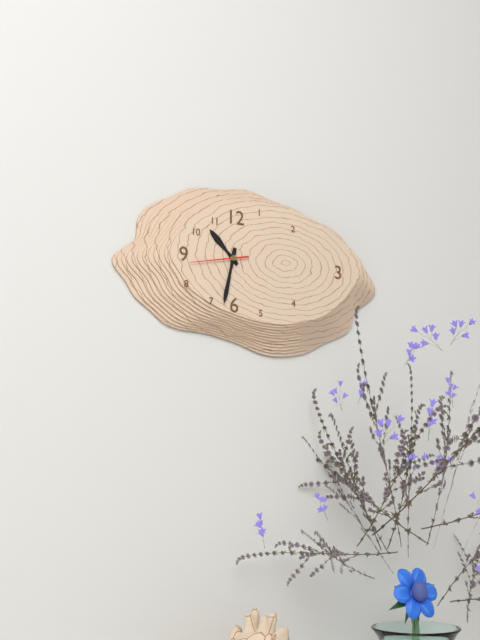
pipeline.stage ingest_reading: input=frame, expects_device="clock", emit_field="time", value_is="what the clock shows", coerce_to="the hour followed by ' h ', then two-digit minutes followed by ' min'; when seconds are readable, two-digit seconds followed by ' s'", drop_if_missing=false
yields 10 h 32 min 43 s
